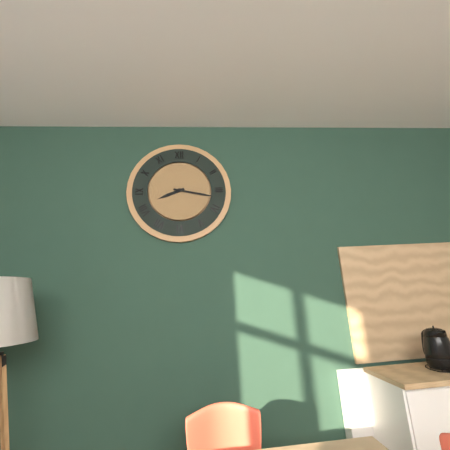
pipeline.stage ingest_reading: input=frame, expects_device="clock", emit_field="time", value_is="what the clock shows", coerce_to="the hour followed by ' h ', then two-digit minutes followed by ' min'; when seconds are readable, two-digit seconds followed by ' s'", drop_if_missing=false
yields 8 h 17 min
